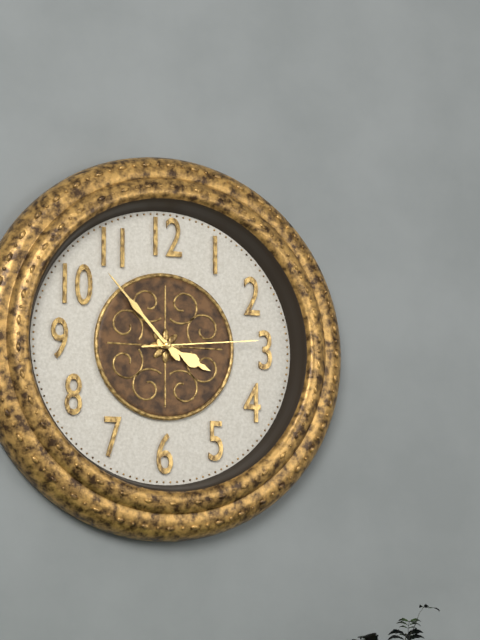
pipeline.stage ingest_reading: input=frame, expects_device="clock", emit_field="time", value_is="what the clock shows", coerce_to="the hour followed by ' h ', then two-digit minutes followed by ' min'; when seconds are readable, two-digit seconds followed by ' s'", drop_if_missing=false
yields 3 h 53 min 14 s
